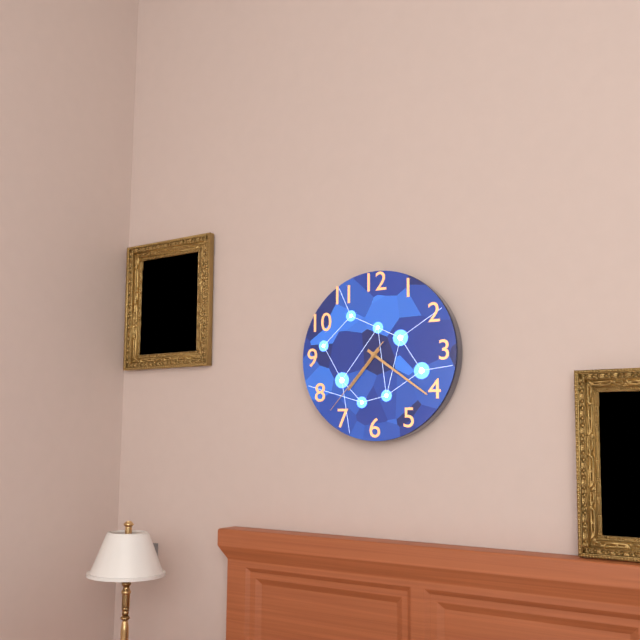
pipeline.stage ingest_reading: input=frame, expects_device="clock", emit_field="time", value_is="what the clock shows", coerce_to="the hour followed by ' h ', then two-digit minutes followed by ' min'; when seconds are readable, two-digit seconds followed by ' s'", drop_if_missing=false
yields 7 h 21 min 37 s
